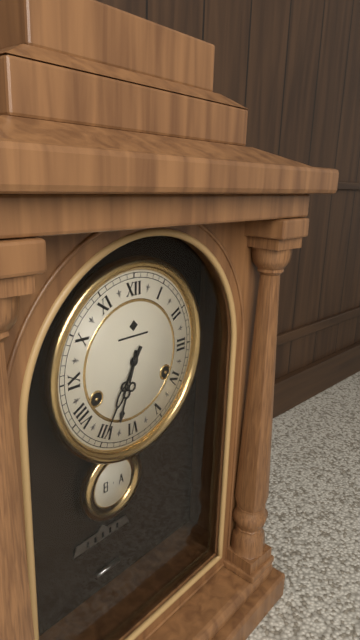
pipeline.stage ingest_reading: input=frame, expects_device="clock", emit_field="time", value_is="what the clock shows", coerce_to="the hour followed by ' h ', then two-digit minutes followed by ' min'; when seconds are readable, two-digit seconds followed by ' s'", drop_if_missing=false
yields 6 h 35 min
